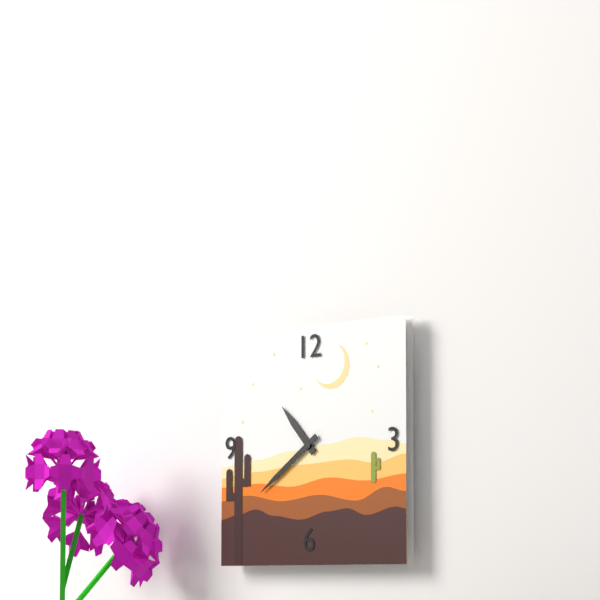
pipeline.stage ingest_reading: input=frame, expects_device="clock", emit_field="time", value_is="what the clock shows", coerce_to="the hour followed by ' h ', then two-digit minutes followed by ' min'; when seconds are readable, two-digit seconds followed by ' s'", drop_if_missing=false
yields 10 h 39 min
